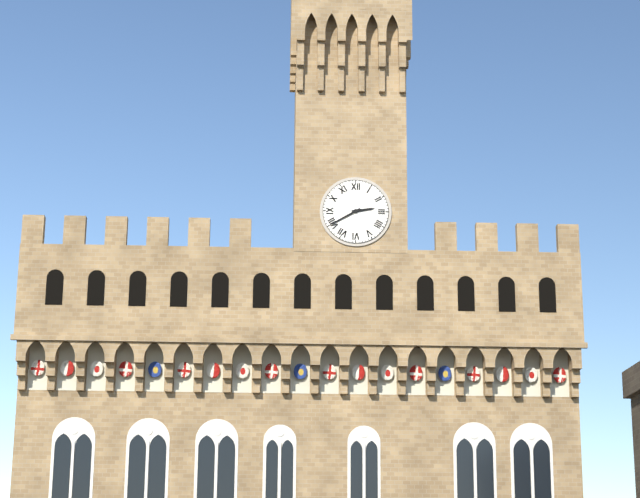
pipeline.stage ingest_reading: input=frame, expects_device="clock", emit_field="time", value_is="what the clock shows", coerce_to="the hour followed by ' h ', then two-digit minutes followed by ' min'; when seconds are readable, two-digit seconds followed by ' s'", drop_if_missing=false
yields 2 h 40 min
